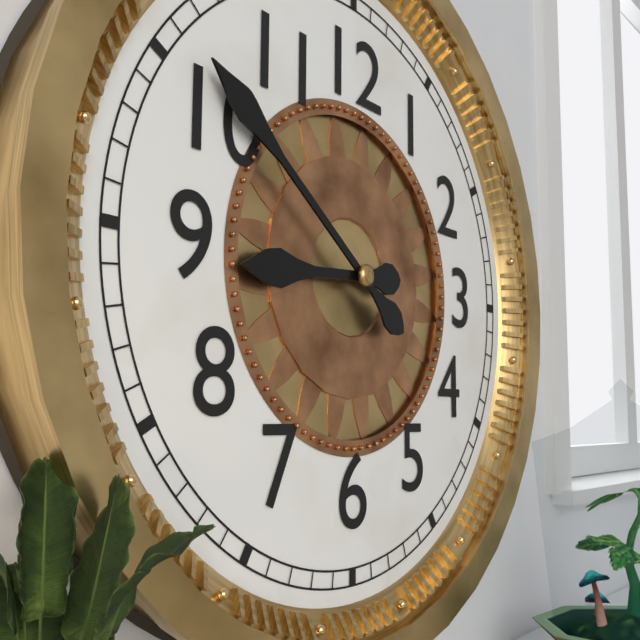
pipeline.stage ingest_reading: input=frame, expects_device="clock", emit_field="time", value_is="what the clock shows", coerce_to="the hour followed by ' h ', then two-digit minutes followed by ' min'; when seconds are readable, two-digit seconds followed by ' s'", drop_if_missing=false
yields 8 h 51 min
